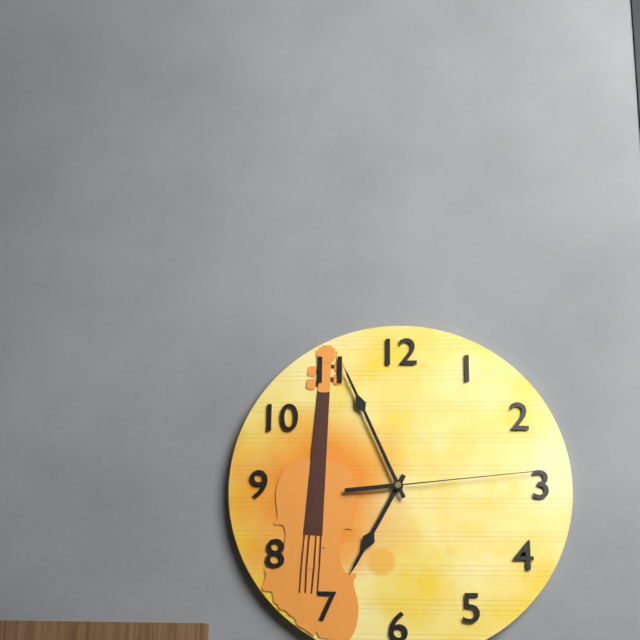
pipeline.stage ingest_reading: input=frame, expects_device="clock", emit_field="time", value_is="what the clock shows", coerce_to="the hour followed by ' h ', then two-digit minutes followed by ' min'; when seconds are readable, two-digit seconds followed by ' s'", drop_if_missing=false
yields 6 h 56 min 14 s
